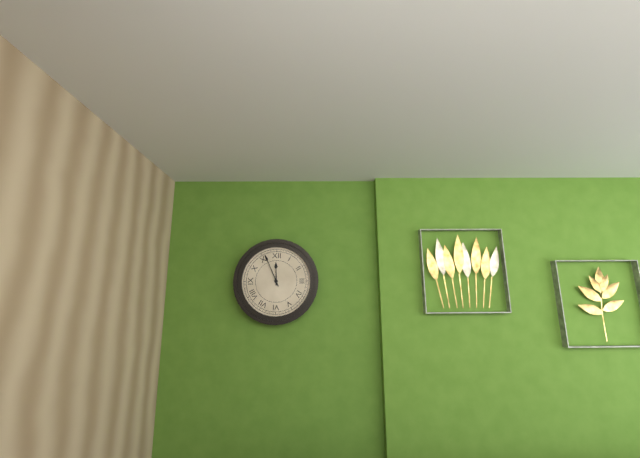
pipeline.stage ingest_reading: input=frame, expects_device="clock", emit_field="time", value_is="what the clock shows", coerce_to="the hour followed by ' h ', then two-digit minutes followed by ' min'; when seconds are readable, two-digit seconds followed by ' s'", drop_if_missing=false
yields 11 h 56 min
